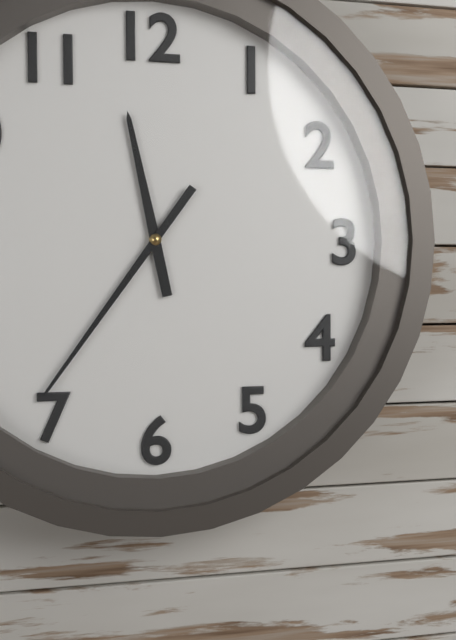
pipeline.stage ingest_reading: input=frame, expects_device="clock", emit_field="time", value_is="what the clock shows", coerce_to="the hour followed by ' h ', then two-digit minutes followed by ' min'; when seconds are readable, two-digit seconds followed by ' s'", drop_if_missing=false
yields 11 h 36 min
